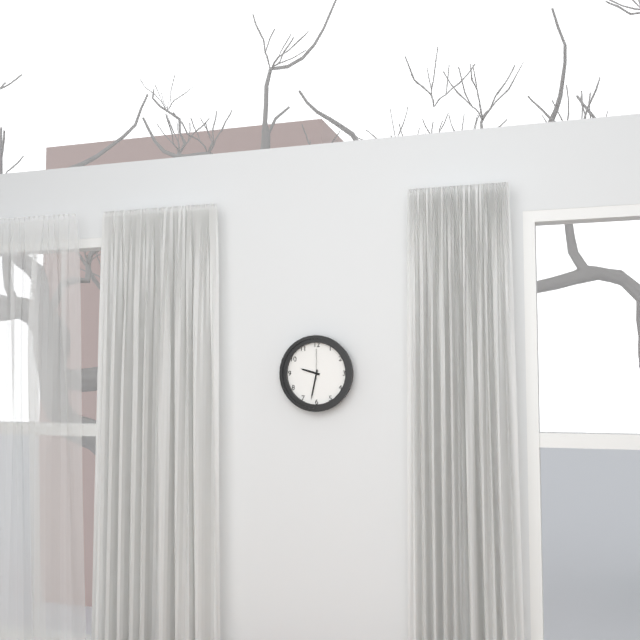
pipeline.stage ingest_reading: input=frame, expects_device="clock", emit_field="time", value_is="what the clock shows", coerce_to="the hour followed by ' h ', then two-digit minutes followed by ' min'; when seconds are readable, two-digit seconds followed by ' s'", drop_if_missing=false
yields 9 h 32 min
